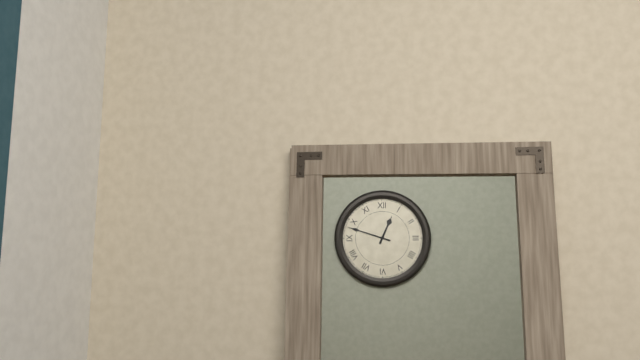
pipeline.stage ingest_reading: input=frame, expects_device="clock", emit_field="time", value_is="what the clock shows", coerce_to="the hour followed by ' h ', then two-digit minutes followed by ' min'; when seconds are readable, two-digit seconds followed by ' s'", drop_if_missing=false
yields 12 h 48 min
